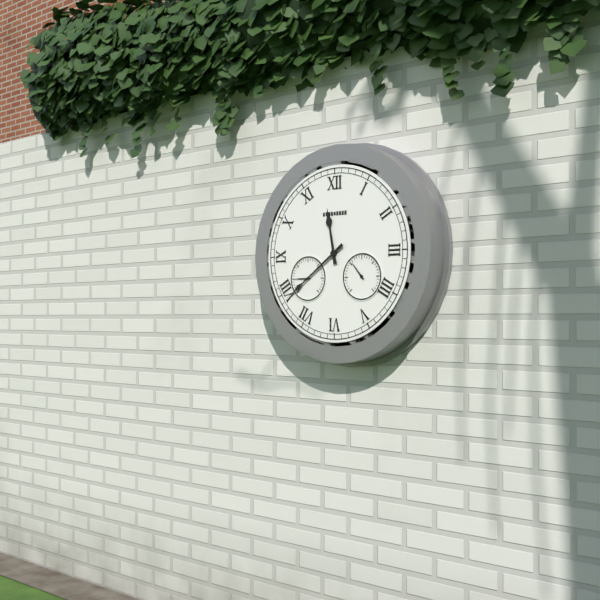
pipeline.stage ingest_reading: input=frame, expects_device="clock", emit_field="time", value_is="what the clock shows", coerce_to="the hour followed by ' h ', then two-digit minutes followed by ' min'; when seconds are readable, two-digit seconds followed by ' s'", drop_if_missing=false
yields 11 h 39 min
